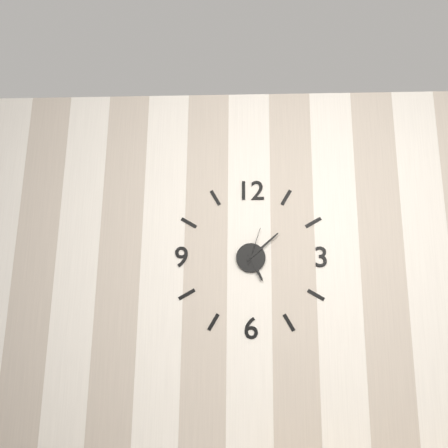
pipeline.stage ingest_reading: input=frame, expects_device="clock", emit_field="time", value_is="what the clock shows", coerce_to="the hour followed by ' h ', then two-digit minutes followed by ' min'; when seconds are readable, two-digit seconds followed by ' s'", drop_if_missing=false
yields 5 h 08 min
